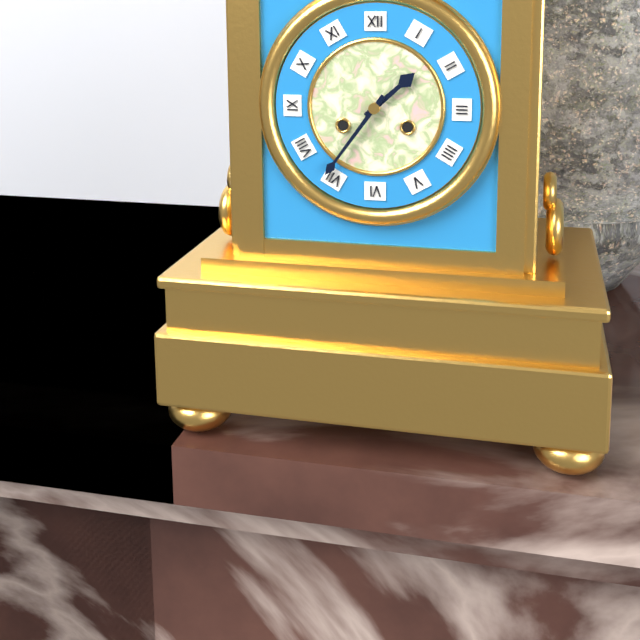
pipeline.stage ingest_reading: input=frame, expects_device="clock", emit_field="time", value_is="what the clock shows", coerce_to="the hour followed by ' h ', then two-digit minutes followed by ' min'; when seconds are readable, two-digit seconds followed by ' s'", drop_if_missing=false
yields 1 h 36 min
